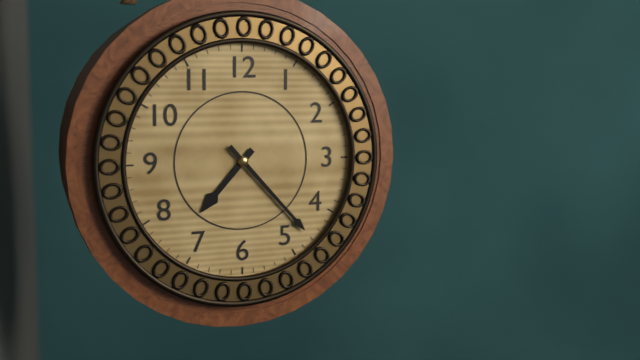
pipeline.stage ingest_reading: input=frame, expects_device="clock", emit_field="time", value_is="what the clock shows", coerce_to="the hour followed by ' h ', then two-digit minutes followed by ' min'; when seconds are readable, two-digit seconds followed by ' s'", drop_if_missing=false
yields 7 h 23 min
